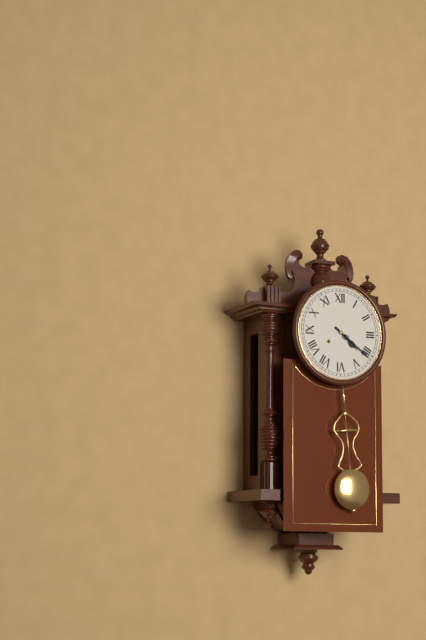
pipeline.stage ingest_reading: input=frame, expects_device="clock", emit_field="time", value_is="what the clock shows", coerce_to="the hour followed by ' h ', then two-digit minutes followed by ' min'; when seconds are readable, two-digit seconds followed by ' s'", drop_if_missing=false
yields 4 h 21 min
